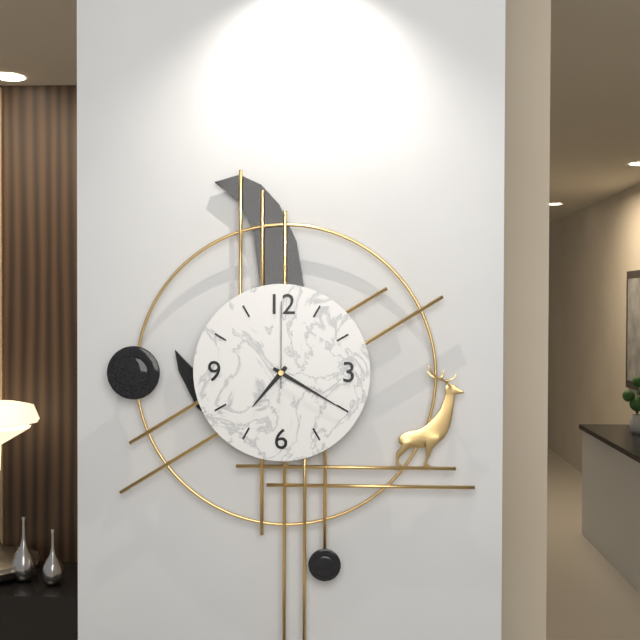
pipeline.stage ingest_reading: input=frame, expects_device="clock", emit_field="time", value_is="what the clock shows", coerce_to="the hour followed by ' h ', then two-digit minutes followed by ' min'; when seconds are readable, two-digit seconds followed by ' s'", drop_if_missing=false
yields 7 h 20 min 00 s
